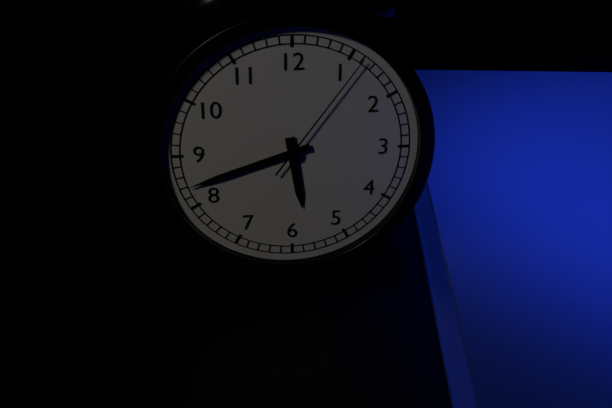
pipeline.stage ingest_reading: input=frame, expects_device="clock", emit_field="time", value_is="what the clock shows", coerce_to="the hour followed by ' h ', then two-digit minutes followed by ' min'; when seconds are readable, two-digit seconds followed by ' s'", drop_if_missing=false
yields 5 h 42 min 06 s
